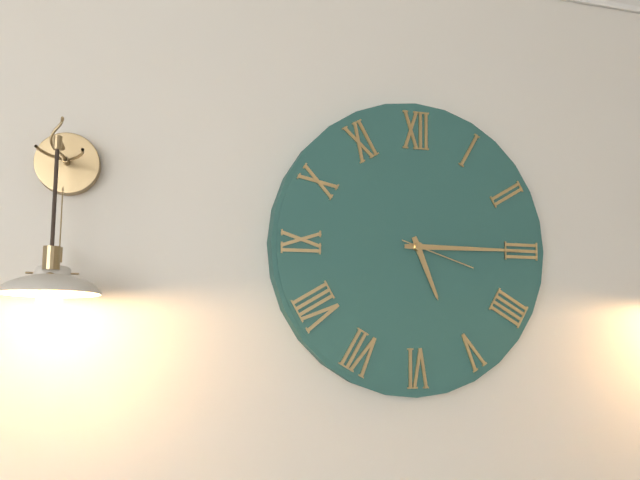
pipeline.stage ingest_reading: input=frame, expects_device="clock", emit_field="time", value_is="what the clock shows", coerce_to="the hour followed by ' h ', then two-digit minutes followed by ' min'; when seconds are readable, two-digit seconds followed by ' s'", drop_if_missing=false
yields 5 h 15 min 18 s
